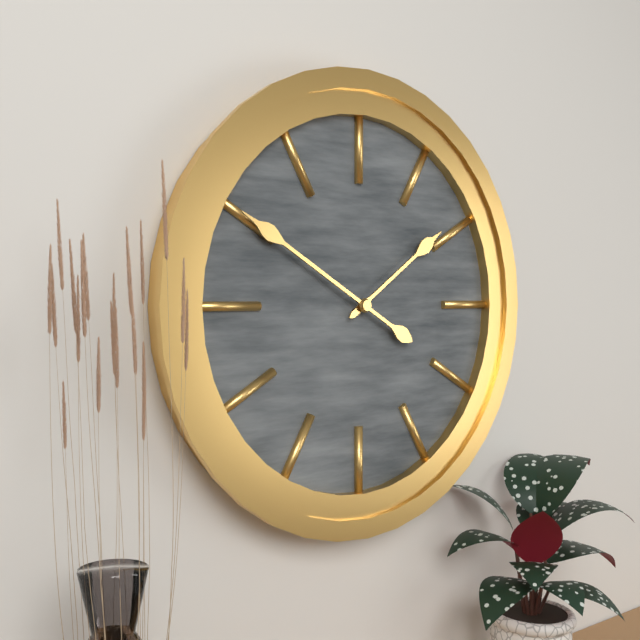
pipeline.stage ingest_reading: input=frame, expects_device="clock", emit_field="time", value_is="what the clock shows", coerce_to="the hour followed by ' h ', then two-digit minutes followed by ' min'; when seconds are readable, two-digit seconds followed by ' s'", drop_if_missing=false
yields 1 h 50 min
